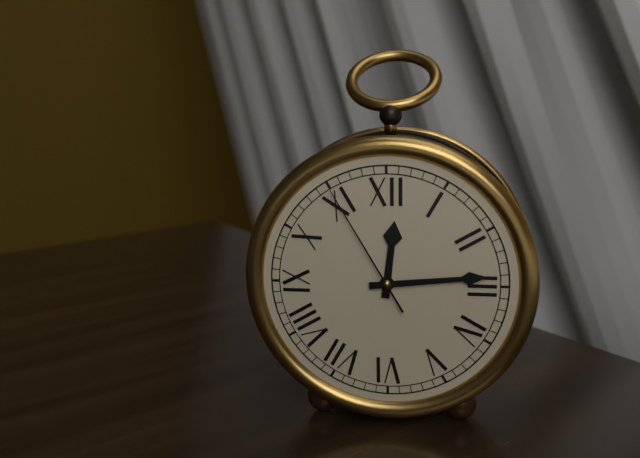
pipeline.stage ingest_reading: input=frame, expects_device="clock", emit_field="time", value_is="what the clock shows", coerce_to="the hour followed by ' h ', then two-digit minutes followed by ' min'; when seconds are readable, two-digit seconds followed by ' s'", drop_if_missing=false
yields 12 h 14 min 55 s
